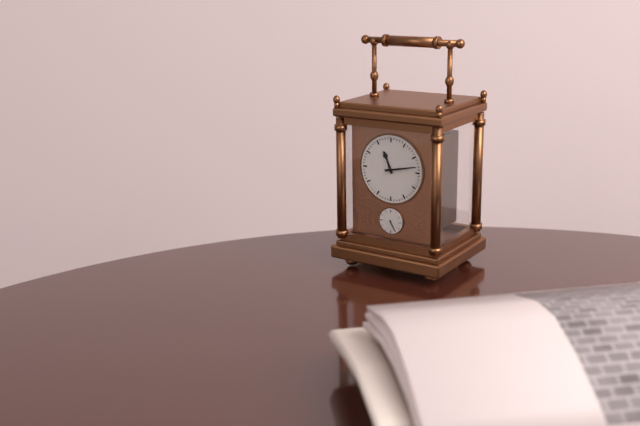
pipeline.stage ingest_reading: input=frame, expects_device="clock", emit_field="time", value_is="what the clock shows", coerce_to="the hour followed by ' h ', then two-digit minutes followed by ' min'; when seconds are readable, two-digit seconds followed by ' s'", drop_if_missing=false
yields 11 h 13 min
